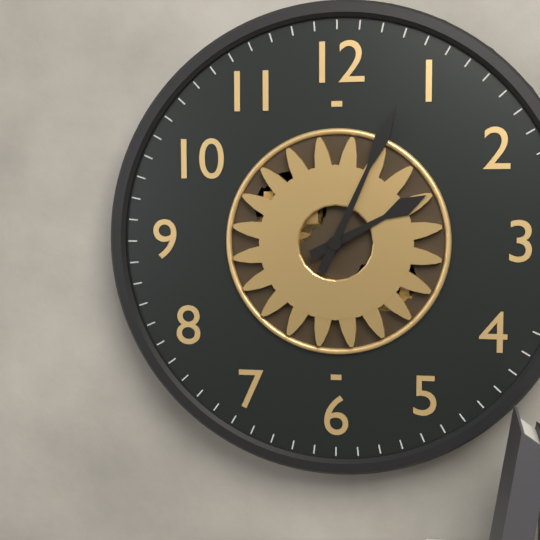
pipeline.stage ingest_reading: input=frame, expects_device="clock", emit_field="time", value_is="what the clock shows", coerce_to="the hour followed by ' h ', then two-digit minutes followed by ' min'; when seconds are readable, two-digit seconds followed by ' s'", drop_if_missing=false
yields 2 h 04 min
